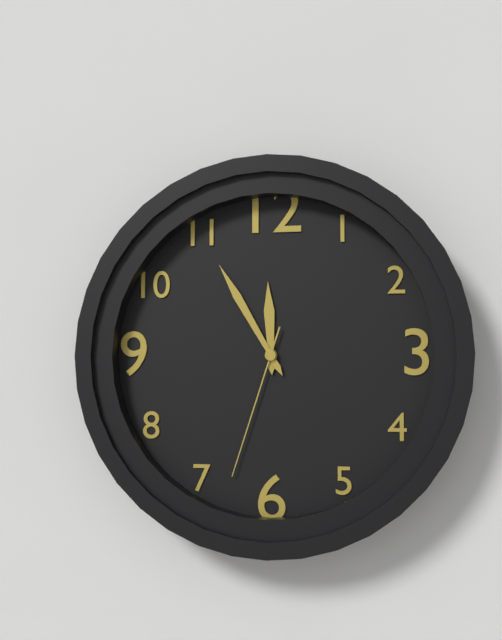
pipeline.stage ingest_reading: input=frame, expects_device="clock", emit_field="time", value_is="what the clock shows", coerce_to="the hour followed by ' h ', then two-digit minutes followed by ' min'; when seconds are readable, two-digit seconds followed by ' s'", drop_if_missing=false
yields 11 h 55 min 33 s
